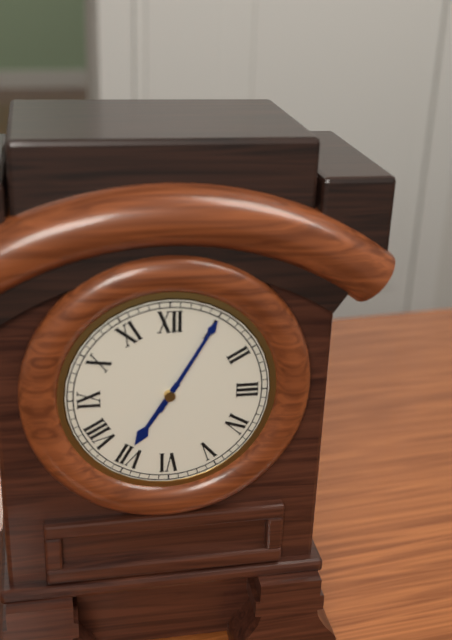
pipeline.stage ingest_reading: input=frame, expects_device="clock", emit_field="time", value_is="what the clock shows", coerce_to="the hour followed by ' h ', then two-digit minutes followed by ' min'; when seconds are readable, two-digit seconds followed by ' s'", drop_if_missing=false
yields 7 h 05 min
